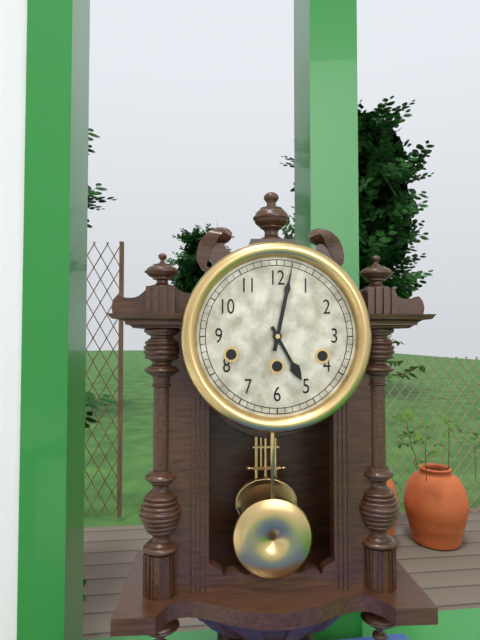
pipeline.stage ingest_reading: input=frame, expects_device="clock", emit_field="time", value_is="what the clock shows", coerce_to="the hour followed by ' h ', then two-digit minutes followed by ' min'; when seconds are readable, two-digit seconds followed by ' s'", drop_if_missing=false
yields 5 h 02 min
